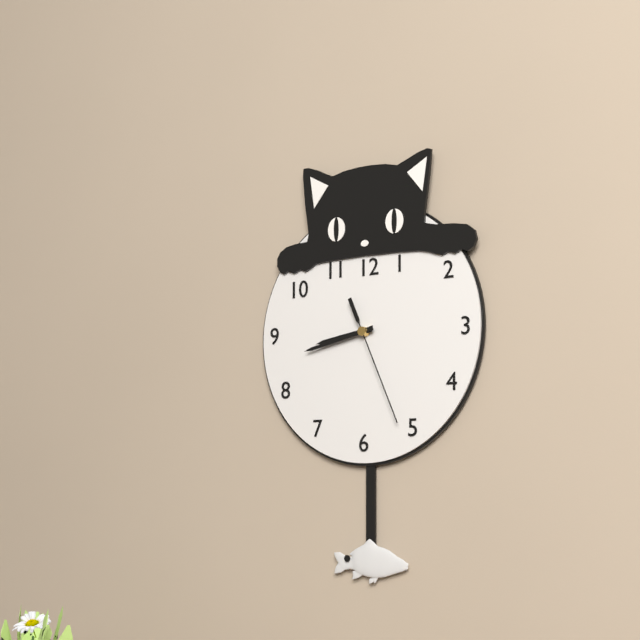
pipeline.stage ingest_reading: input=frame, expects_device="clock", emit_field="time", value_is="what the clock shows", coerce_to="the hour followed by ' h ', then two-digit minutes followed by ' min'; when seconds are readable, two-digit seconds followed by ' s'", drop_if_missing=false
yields 8 h 43 min 26 s
